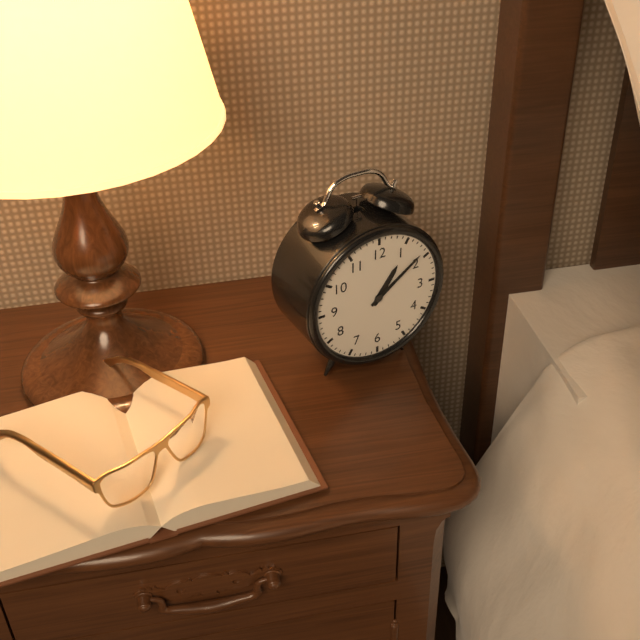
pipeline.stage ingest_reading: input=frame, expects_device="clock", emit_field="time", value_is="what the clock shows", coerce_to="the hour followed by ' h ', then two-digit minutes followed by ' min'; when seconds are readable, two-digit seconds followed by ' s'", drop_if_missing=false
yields 1 h 09 min
